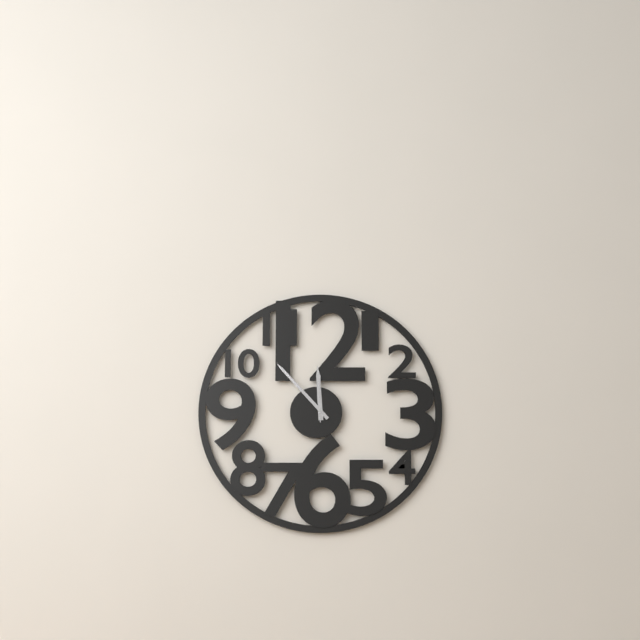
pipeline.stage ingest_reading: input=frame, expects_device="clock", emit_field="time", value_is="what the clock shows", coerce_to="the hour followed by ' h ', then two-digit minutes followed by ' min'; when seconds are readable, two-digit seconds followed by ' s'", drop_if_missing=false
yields 11 h 53 min
